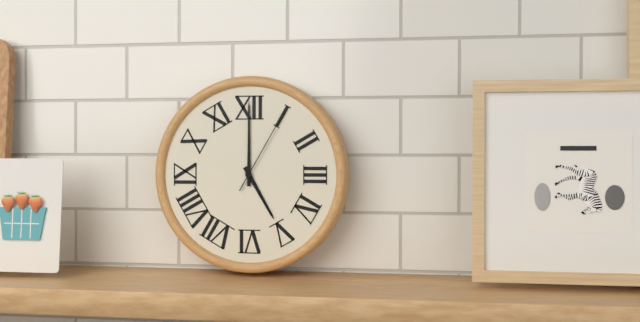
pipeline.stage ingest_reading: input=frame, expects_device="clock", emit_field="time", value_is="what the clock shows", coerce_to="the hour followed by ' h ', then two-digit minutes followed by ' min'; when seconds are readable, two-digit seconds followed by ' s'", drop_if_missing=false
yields 5 h 00 min 05 s
